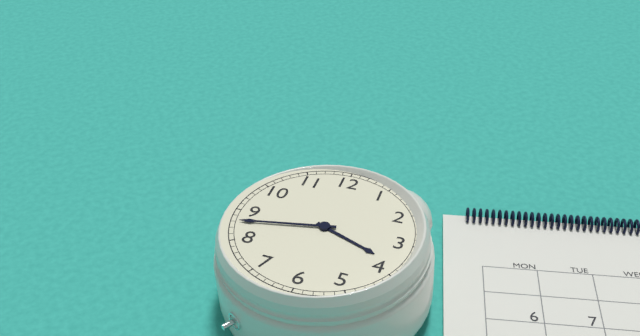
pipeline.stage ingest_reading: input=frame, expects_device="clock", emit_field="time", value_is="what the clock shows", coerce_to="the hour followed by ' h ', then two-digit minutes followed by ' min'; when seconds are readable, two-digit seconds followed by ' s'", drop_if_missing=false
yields 3 h 43 min
